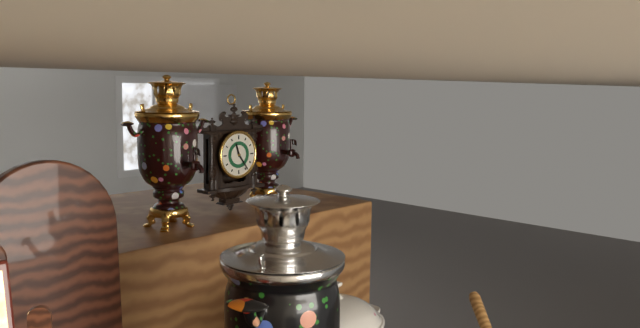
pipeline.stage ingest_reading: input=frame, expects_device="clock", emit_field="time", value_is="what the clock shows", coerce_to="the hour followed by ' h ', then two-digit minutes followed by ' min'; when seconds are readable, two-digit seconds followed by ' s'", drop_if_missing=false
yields 11 h 24 min
